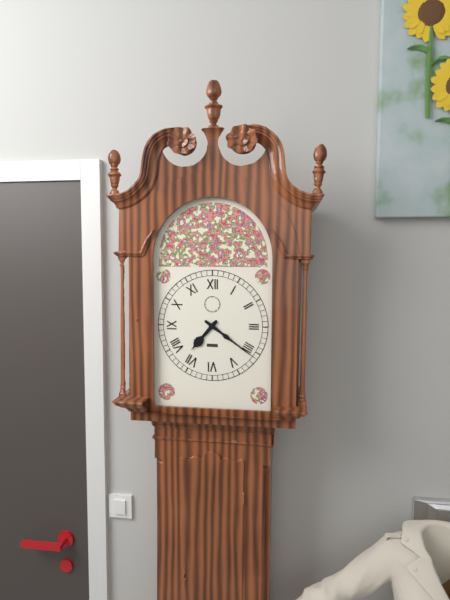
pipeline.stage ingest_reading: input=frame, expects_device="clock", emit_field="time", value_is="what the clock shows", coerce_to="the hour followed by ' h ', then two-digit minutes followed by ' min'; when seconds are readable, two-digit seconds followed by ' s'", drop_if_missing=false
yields 7 h 21 min
